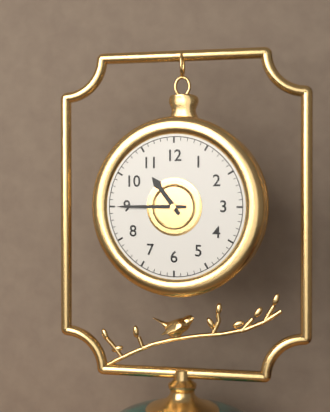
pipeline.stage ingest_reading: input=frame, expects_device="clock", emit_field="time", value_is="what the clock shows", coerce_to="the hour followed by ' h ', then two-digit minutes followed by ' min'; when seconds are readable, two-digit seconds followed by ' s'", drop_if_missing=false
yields 10 h 45 min
